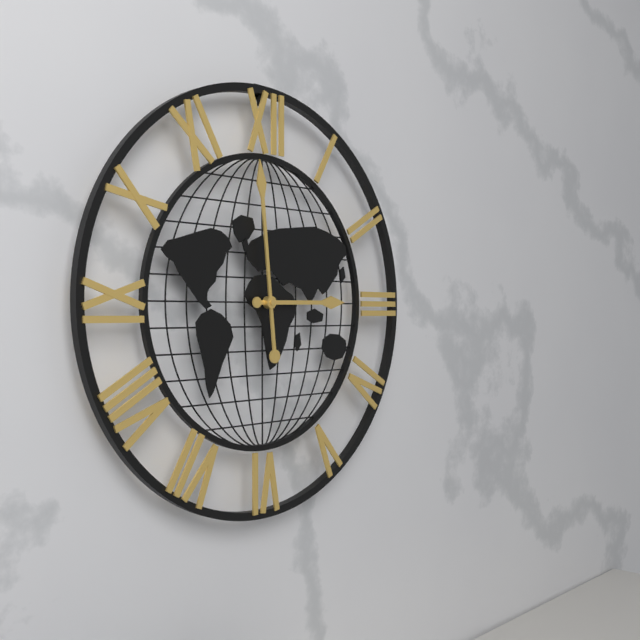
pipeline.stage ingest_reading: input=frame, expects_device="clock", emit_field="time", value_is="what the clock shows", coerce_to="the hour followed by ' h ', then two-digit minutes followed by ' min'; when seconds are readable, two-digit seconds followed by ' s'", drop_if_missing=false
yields 2 h 59 min
